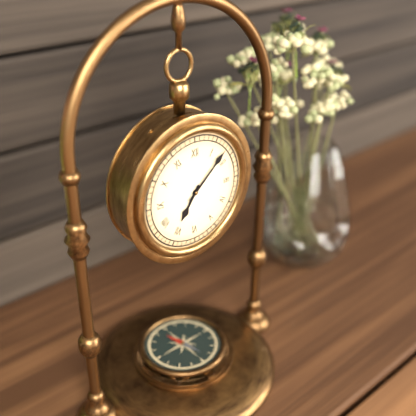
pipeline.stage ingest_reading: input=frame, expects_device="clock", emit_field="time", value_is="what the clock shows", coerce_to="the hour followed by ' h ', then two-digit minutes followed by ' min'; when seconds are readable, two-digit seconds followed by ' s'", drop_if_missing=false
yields 7 h 08 min
